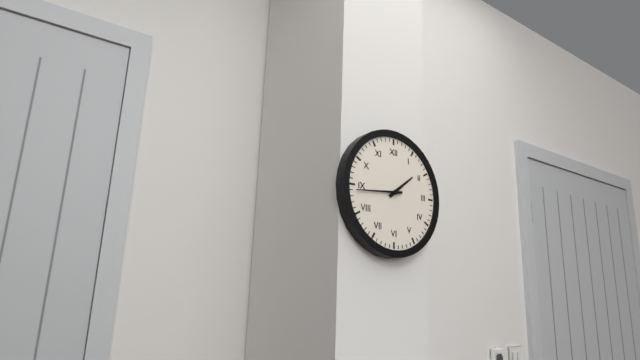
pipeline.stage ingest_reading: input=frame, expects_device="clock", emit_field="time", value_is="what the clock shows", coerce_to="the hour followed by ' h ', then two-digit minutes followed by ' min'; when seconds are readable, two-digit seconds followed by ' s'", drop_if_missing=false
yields 1 h 44 min
